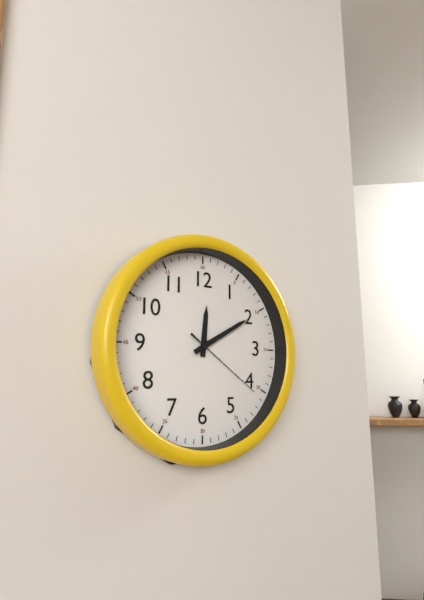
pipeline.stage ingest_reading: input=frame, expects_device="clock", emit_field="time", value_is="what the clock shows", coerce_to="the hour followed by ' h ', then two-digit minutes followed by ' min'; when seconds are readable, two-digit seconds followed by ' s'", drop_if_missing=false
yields 12 h 10 min 21 s
